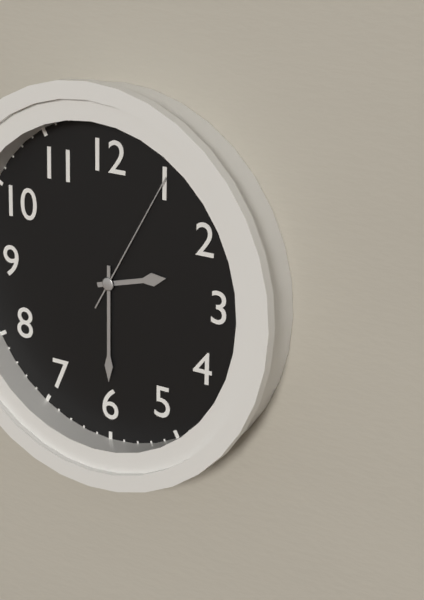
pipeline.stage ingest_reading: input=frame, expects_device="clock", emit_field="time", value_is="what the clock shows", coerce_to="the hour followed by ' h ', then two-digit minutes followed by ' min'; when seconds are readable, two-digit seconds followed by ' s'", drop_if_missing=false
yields 2 h 30 min 05 s
